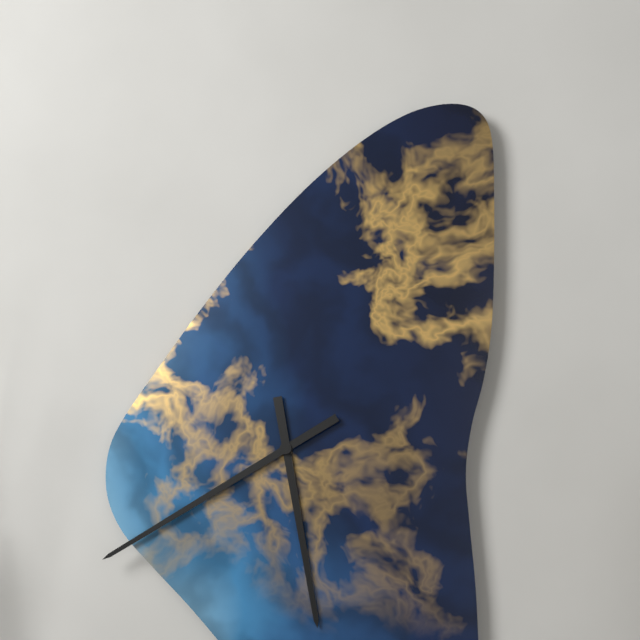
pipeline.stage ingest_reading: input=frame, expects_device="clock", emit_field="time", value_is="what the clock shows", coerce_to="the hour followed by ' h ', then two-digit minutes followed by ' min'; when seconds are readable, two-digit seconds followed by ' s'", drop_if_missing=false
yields 5 h 40 min
